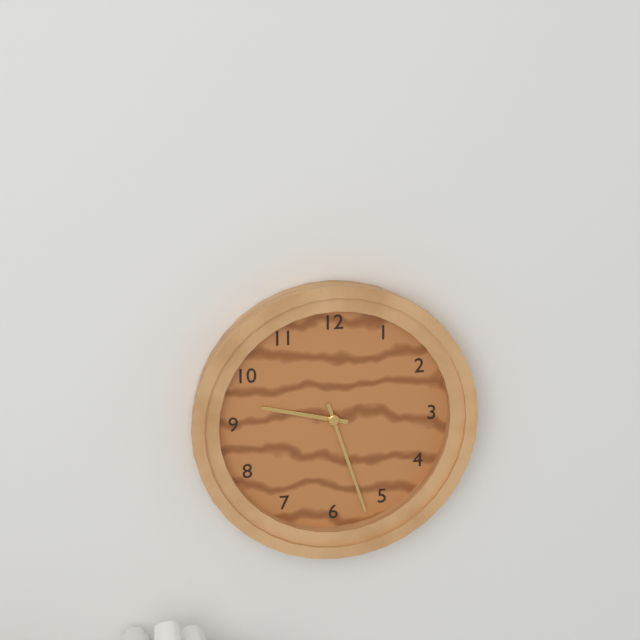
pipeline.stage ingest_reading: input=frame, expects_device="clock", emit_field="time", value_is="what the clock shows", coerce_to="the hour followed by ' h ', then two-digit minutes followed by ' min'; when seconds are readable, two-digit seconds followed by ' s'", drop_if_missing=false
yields 9 h 27 min
